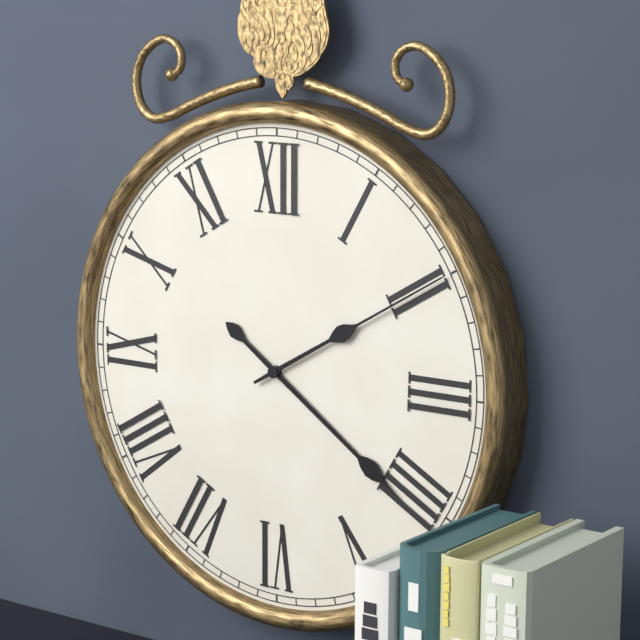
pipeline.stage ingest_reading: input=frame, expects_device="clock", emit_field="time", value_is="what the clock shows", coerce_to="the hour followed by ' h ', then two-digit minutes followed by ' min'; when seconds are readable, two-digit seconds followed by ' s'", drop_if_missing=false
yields 4 h 10 min
